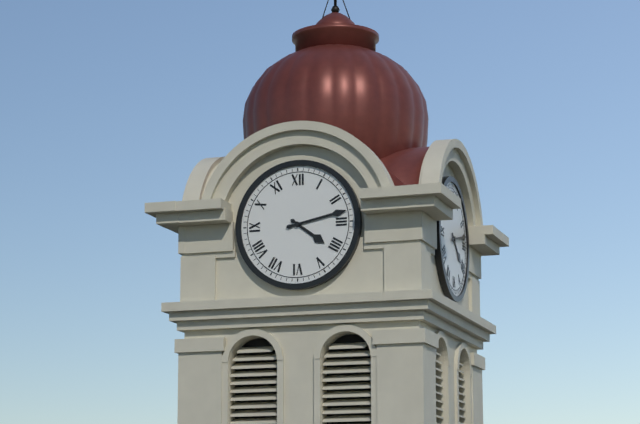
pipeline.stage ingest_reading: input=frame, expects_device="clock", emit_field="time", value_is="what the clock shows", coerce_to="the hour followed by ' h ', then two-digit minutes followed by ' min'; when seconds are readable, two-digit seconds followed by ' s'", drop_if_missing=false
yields 4 h 13 min
